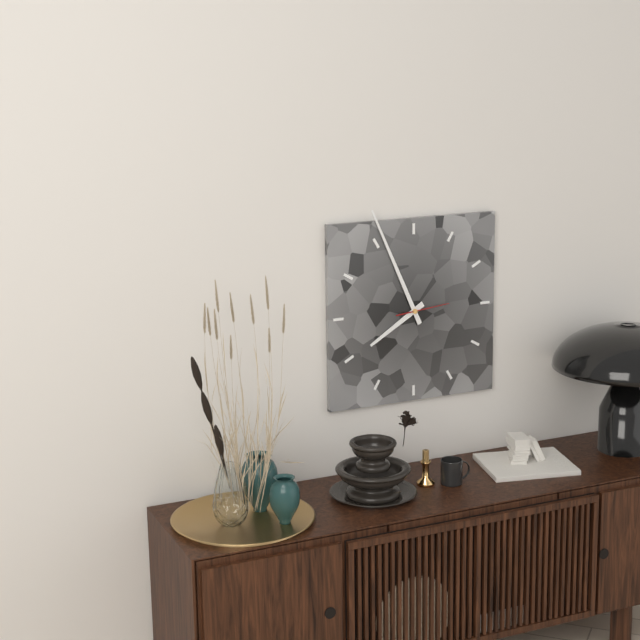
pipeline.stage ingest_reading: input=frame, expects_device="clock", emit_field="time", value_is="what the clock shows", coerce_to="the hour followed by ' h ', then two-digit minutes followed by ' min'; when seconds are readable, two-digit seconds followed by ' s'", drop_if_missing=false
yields 7 h 56 min
